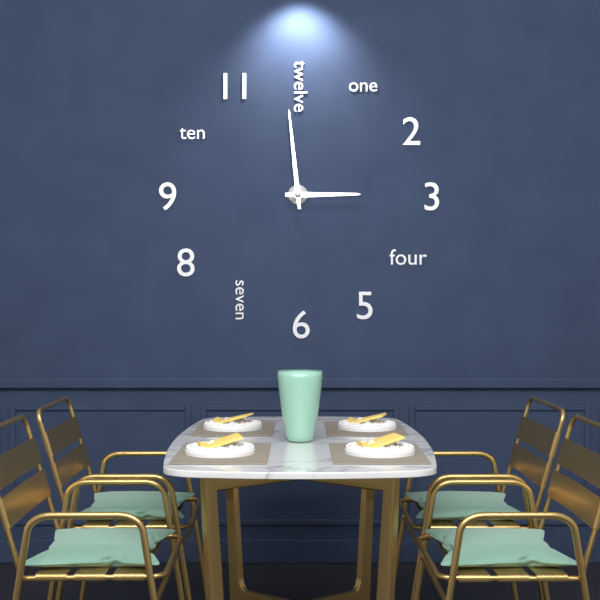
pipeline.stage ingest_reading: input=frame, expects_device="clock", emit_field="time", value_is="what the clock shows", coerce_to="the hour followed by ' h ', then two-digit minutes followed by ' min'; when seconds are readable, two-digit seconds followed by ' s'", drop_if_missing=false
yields 2 h 59 min
